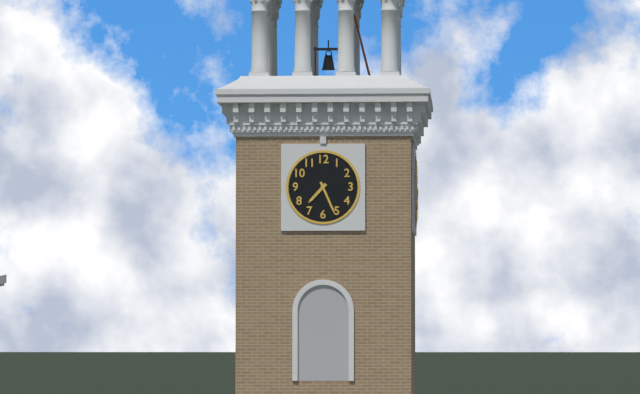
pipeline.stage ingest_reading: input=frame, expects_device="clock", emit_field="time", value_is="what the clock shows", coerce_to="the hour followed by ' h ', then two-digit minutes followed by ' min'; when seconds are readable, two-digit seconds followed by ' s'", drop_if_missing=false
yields 7 h 26 min
